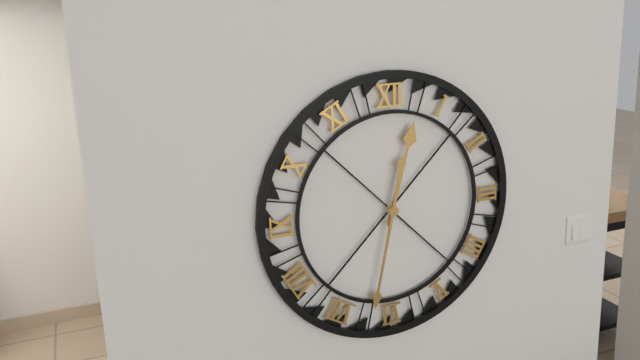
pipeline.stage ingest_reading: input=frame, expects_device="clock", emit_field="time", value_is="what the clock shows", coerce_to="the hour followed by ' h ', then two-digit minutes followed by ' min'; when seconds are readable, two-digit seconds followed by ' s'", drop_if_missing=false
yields 12 h 32 min
